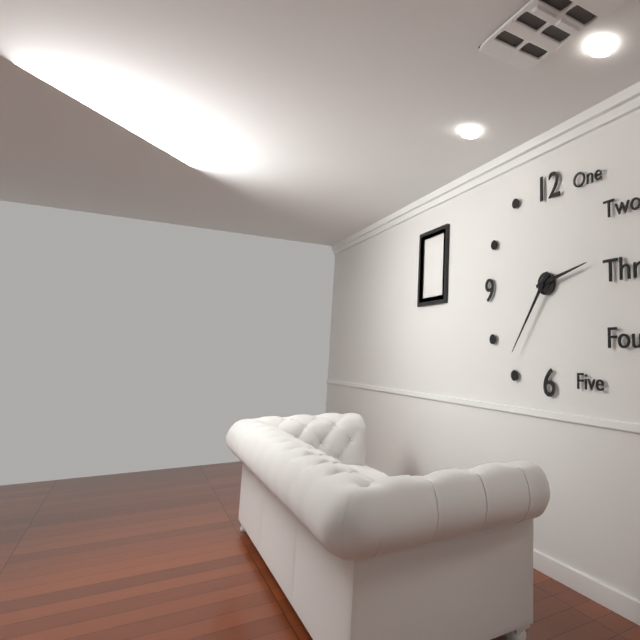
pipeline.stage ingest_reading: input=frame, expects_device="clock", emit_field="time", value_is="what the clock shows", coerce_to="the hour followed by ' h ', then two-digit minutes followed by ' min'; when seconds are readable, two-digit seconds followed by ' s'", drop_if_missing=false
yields 2 h 36 min
